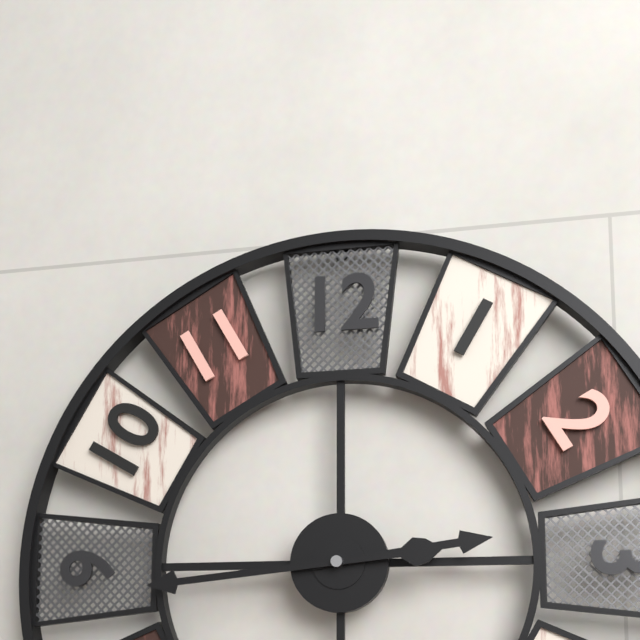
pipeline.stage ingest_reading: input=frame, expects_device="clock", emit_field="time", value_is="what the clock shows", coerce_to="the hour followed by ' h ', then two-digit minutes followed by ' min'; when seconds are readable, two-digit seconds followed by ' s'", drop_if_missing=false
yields 2 h 44 min
